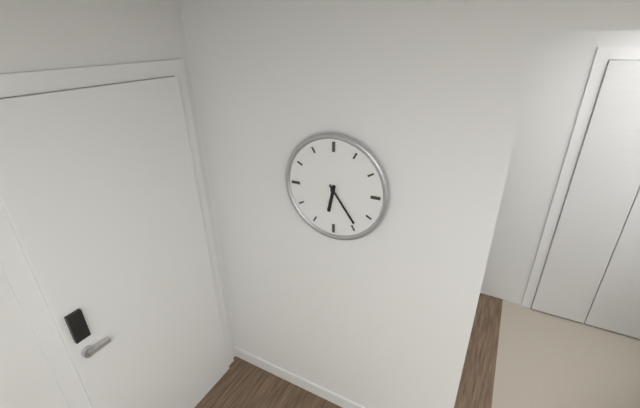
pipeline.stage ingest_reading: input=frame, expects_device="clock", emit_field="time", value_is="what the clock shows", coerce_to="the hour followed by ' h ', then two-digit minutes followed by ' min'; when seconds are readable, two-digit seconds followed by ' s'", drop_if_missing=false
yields 6 h 24 min
